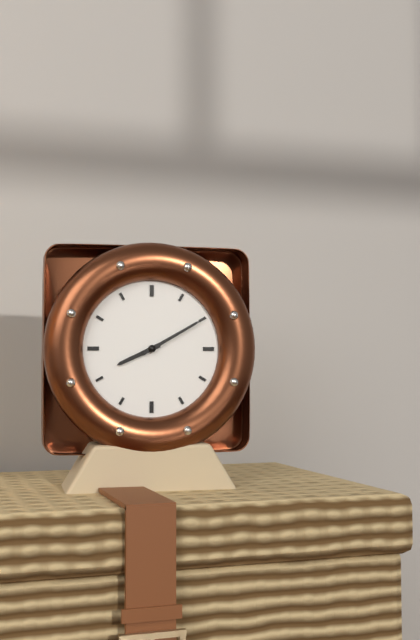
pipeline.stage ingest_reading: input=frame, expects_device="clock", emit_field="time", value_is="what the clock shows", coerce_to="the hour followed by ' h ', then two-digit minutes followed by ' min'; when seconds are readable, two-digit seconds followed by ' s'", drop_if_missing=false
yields 8 h 10 min
